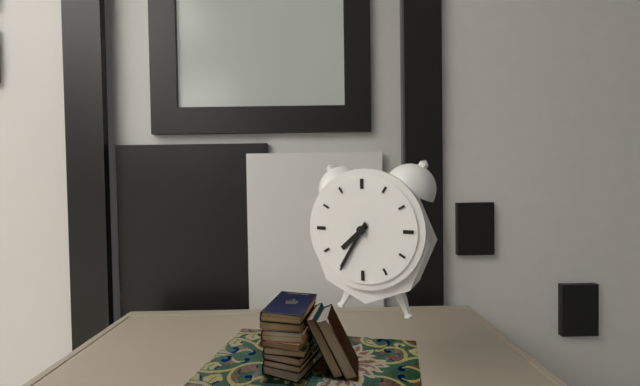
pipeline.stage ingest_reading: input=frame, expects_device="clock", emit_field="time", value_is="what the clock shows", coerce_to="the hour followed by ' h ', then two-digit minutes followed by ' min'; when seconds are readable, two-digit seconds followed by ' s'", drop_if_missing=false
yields 7 h 35 min
